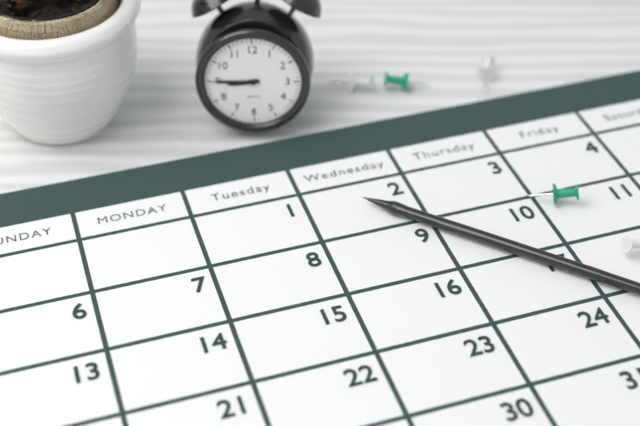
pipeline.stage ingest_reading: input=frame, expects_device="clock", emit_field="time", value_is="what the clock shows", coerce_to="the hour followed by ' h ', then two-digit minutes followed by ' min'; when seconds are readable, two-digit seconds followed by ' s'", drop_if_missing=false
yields 8 h 45 min
